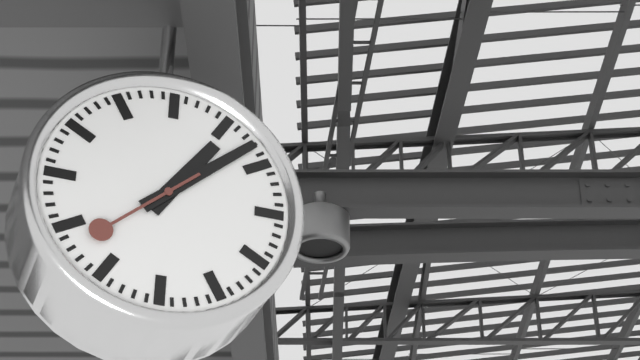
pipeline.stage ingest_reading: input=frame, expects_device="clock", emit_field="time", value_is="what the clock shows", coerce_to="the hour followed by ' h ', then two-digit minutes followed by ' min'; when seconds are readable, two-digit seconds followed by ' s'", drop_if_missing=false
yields 1 h 08 min 38 s
